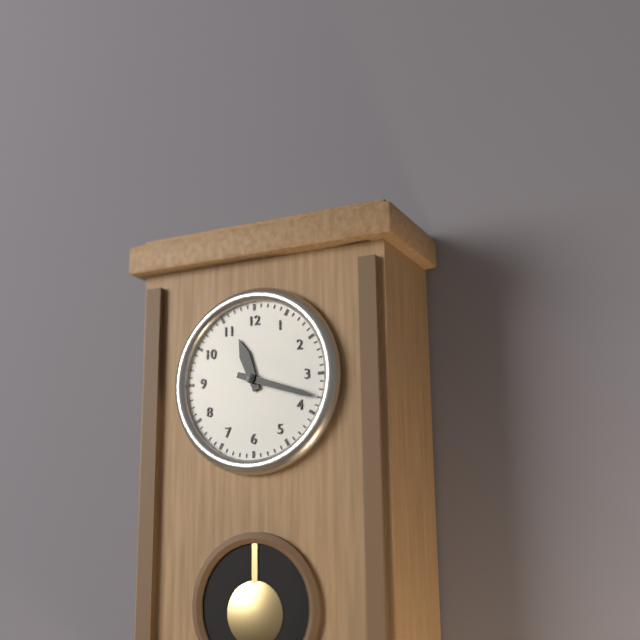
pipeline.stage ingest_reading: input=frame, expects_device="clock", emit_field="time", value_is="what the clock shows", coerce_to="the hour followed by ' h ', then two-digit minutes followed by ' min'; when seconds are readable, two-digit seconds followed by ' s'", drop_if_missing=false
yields 11 h 18 min
